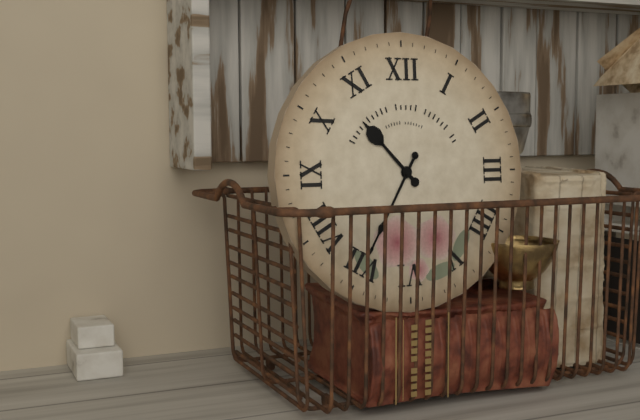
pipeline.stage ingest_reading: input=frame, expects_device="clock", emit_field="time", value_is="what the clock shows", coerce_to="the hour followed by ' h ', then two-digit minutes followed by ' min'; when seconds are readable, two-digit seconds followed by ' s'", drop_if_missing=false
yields 10 h 35 min
